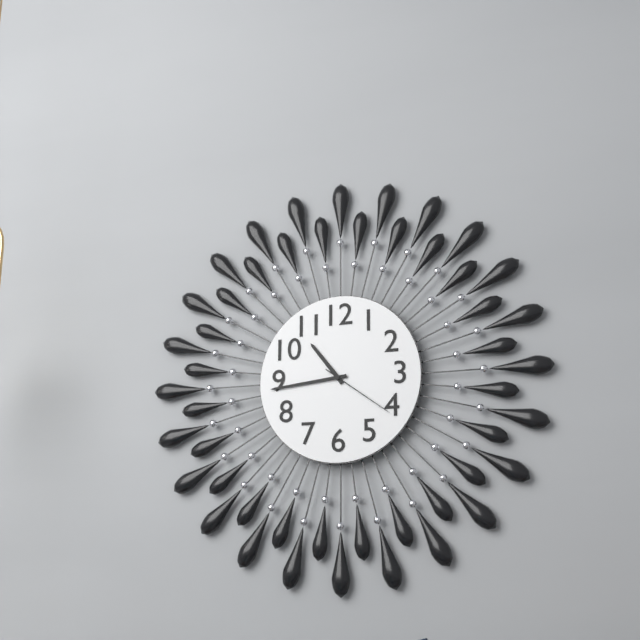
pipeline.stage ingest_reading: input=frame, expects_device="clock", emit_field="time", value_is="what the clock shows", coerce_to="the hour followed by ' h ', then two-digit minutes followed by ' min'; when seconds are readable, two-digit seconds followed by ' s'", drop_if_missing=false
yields 10 h 44 min 21 s
